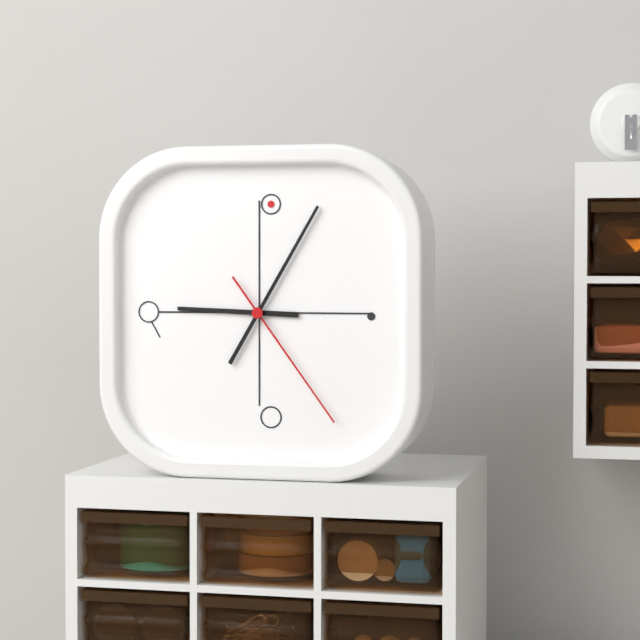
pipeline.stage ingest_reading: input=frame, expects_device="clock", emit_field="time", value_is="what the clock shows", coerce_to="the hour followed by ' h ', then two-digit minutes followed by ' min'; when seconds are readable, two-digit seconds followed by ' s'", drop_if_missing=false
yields 9 h 05 min 24 s
